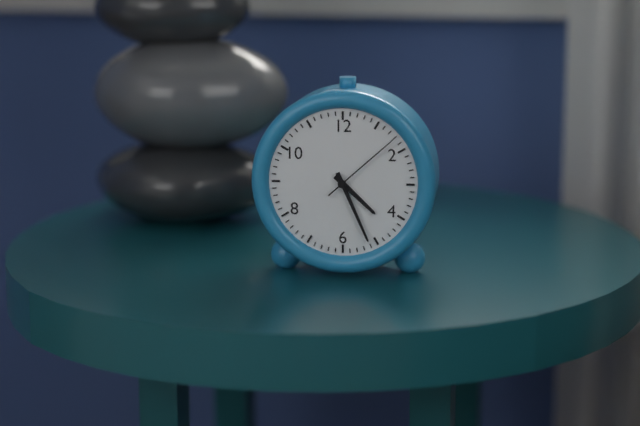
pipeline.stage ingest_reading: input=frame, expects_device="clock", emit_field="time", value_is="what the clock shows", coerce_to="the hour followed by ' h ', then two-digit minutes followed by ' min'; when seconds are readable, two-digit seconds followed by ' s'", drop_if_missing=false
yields 4 h 26 min 08 s
